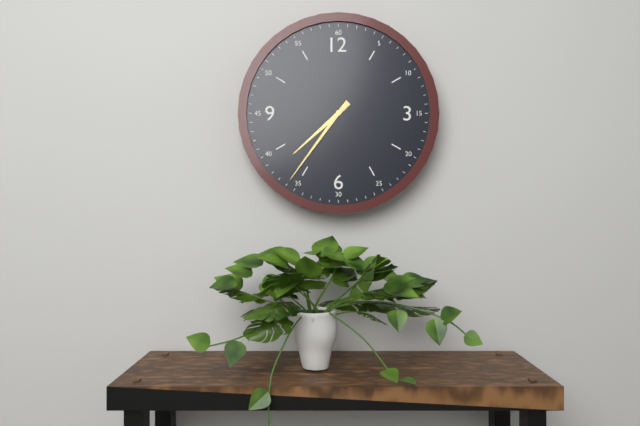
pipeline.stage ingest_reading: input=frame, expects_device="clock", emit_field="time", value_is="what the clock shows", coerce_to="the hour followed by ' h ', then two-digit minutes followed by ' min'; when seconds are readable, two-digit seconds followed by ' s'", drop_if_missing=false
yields 7 h 36 min
